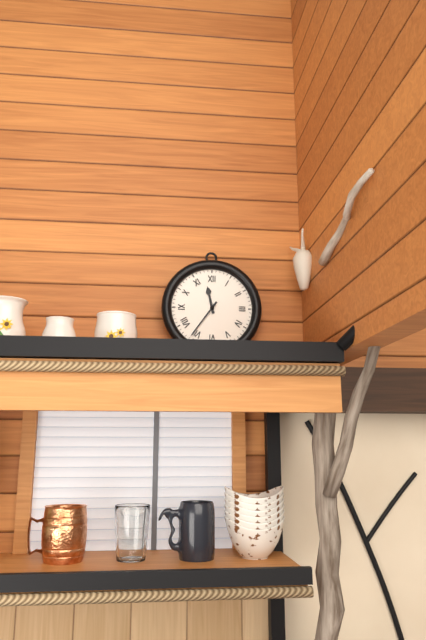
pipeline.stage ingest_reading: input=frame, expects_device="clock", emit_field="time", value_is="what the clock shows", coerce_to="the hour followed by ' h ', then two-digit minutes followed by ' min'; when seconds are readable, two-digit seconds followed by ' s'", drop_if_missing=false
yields 11 h 36 min
